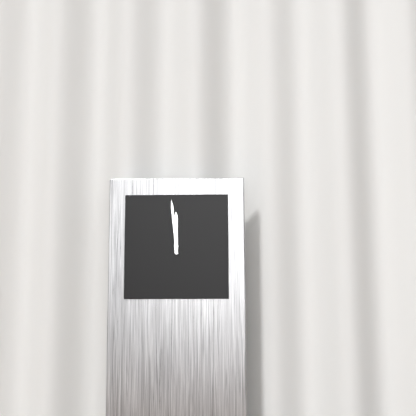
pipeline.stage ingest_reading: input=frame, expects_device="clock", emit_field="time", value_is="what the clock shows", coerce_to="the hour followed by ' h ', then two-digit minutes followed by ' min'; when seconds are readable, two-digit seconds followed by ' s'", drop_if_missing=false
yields 11 h 59 min
